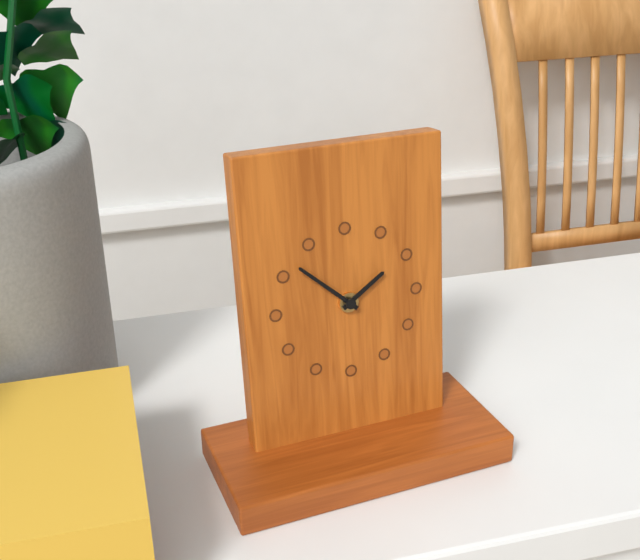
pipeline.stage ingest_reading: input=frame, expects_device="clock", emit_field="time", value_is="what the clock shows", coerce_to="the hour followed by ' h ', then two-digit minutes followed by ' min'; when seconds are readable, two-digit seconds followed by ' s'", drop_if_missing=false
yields 1 h 52 min
